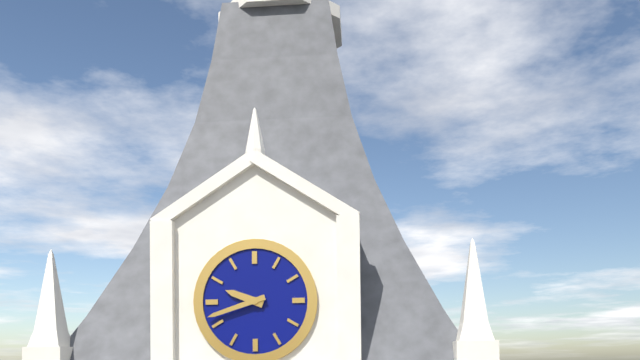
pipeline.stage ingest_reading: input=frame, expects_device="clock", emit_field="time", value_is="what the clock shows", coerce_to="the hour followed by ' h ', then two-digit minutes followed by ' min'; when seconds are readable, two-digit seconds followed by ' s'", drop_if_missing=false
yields 9 h 42 min
